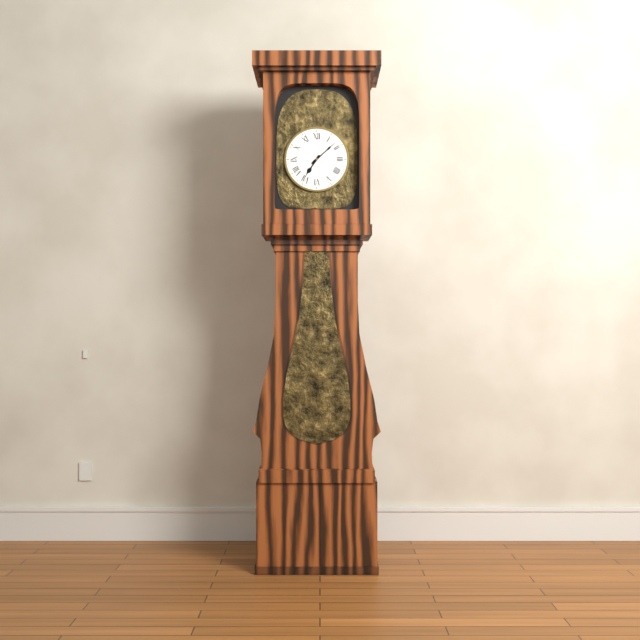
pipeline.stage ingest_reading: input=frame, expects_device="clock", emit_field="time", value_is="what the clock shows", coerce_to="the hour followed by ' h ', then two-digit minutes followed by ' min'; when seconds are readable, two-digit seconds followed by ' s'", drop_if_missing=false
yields 7 h 08 min
